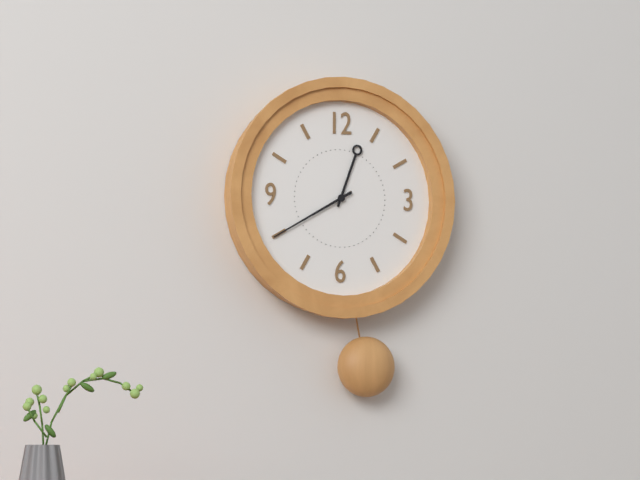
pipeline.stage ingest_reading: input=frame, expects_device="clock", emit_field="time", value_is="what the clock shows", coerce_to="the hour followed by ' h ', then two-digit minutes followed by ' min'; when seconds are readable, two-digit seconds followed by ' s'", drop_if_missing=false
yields 12 h 40 min
